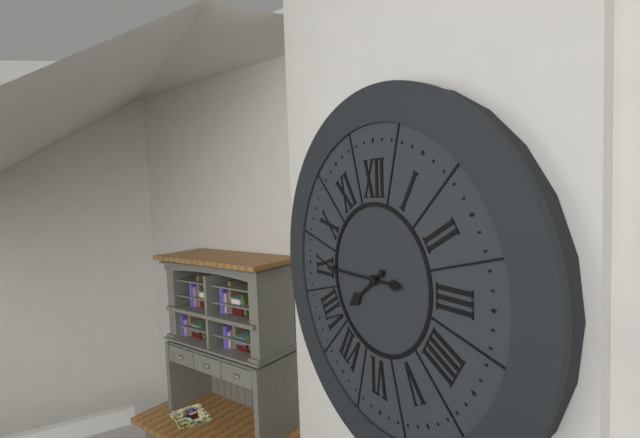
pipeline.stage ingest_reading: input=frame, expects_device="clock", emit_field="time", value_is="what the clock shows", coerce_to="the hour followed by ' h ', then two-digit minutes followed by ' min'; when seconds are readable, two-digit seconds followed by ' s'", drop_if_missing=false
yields 7 h 45 min
